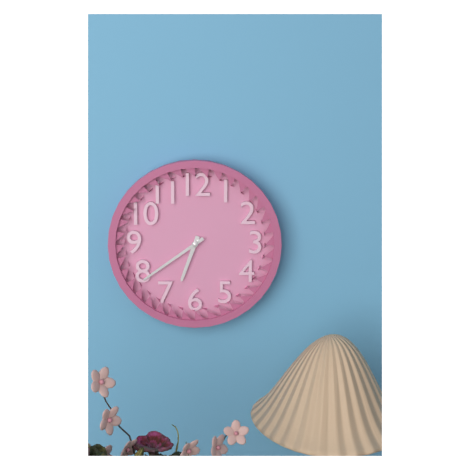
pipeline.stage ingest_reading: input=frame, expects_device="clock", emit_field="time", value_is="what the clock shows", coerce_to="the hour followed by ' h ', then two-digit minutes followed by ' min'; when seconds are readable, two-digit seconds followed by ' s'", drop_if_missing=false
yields 6 h 39 min
